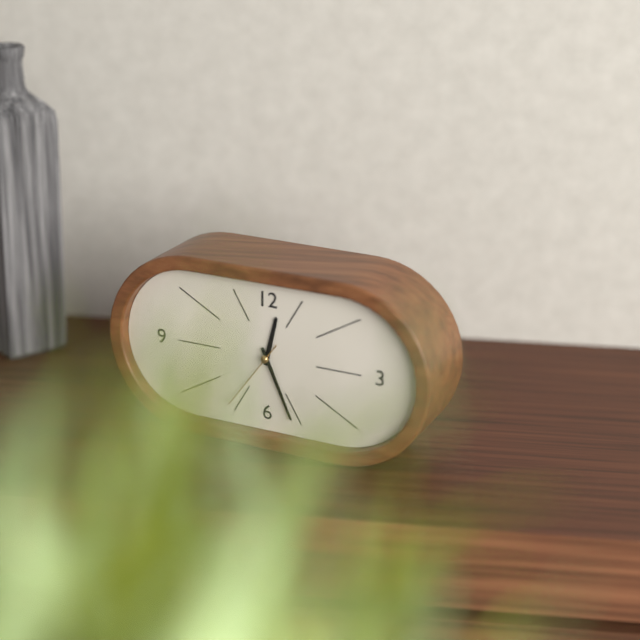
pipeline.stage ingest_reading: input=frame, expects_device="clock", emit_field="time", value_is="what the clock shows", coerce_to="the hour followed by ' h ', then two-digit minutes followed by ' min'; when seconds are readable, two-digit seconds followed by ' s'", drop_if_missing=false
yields 12 h 26 min
